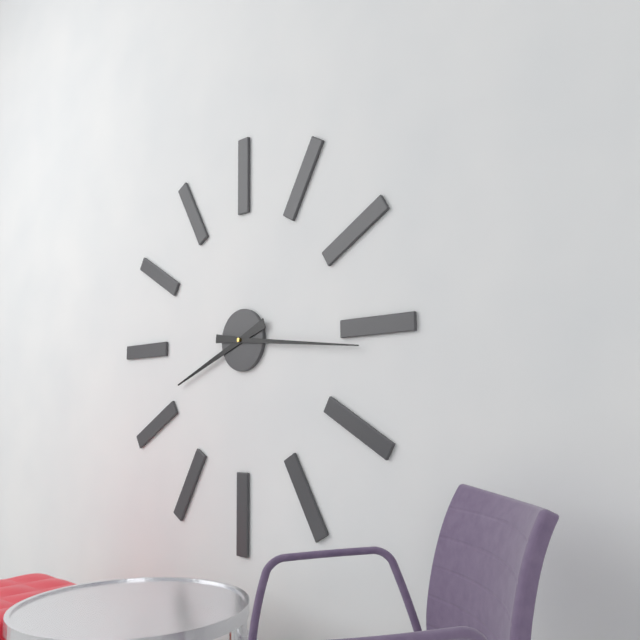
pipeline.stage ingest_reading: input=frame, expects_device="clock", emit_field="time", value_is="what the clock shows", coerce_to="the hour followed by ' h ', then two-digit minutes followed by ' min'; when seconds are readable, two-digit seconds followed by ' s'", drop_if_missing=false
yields 8 h 16 min
